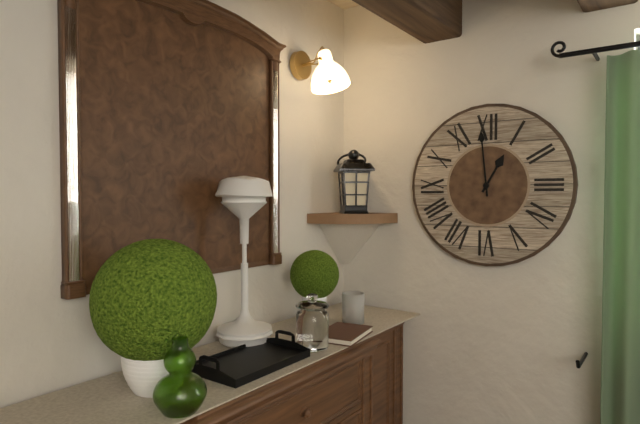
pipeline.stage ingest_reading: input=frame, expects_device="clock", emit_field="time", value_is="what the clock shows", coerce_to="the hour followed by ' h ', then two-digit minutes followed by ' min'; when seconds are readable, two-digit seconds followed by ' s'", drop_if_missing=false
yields 12 h 59 min
